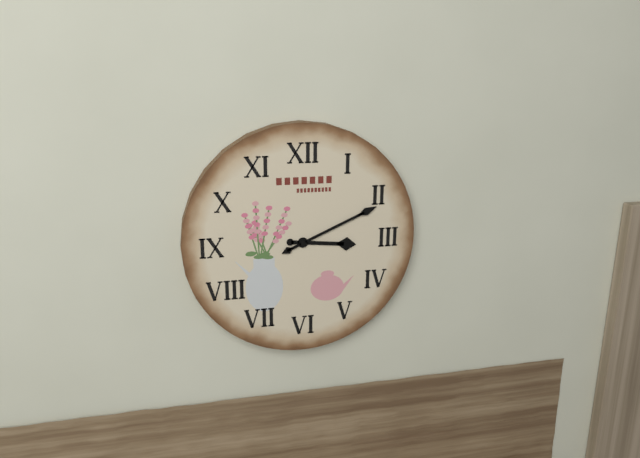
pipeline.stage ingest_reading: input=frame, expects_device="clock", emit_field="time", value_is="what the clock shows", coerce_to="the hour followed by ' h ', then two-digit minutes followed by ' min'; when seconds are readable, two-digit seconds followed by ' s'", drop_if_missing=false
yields 3 h 11 min
